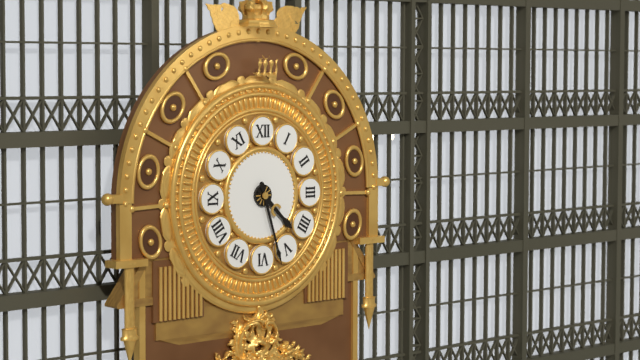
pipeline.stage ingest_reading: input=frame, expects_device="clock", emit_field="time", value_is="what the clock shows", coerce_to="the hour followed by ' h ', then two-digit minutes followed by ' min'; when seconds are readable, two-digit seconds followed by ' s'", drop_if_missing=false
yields 4 h 27 min
